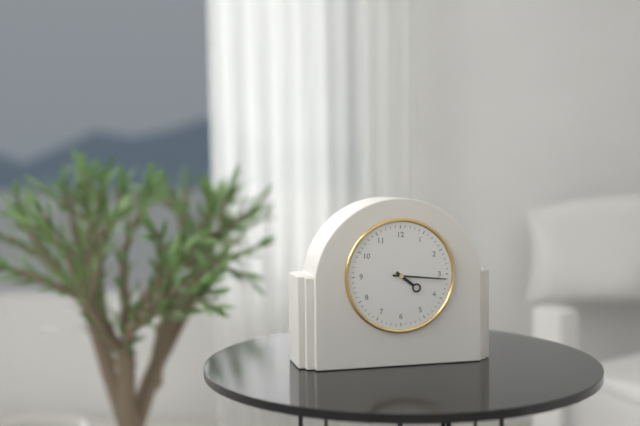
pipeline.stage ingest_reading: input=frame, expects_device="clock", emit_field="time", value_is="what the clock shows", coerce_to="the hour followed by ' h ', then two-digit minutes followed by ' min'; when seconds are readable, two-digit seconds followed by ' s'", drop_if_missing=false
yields 4 h 16 min
